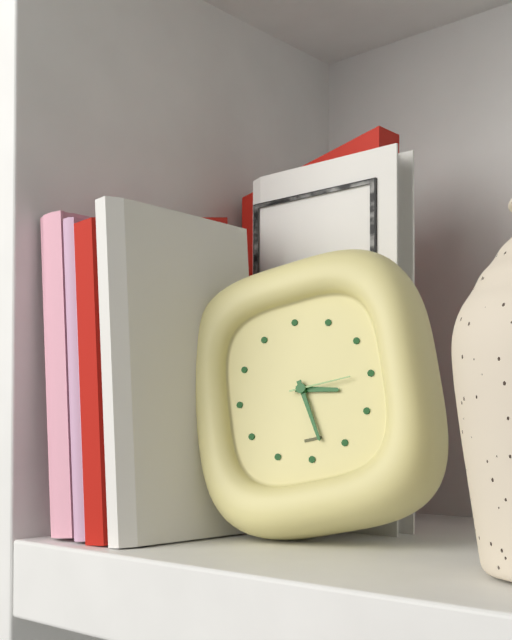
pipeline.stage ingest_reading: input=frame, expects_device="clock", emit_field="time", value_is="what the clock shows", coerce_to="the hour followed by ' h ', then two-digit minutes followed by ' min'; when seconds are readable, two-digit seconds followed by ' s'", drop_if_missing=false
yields 3 h 28 min 15 s
